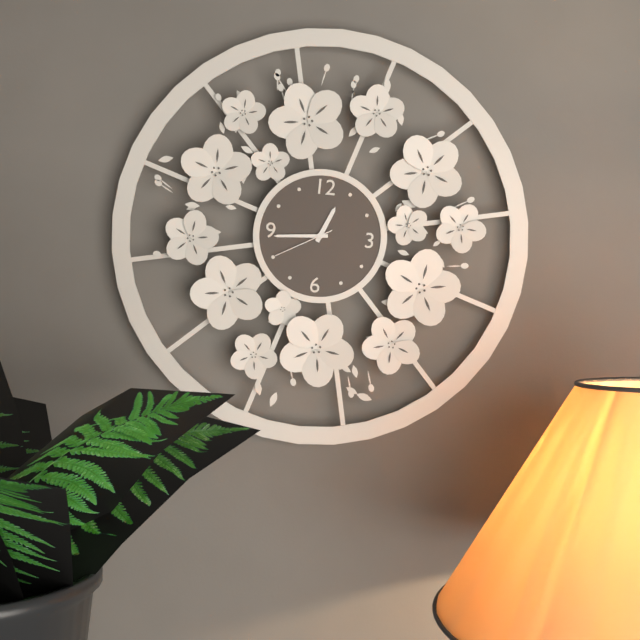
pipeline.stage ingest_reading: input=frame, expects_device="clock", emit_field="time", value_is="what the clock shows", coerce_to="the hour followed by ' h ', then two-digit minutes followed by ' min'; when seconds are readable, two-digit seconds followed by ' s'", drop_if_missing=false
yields 12 h 44 min 40 s
